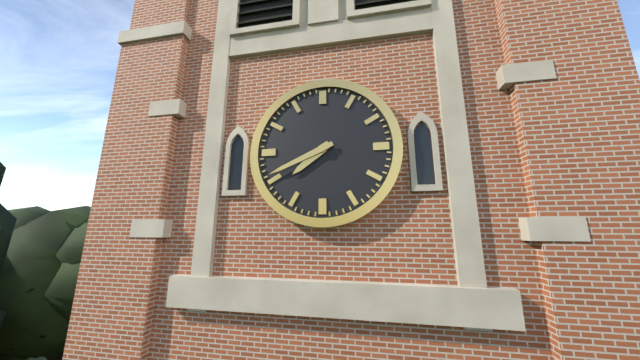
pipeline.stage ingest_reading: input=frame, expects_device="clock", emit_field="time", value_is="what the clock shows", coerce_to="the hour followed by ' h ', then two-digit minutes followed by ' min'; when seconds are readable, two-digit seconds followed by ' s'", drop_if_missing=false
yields 7 h 41 min
